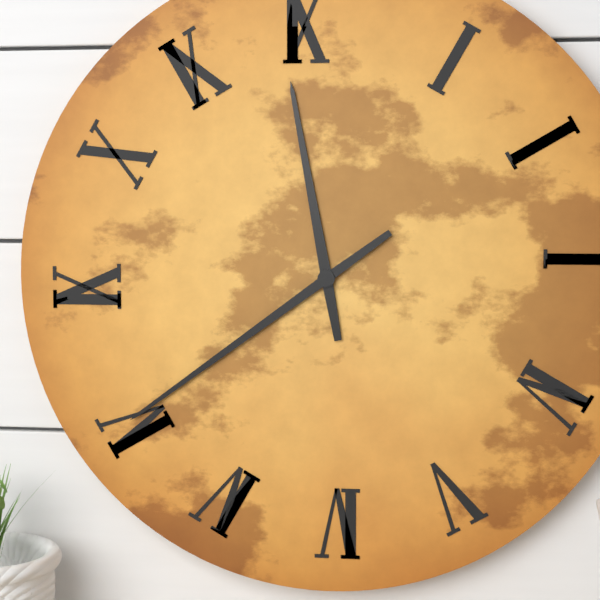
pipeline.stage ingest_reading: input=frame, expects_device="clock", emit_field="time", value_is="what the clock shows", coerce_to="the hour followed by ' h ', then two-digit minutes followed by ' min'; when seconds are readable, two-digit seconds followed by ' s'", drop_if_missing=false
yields 11 h 39 min
